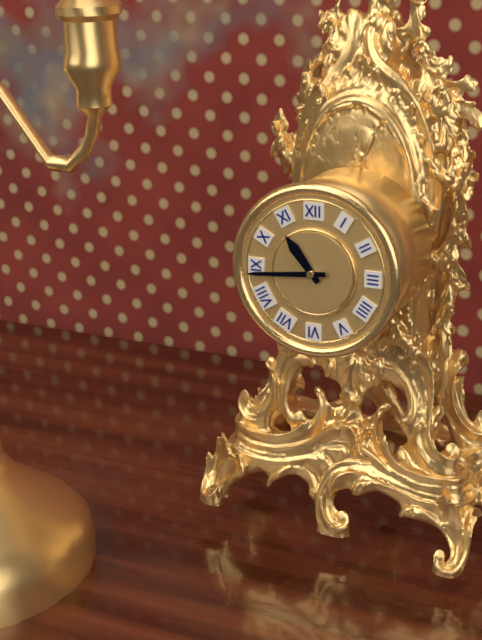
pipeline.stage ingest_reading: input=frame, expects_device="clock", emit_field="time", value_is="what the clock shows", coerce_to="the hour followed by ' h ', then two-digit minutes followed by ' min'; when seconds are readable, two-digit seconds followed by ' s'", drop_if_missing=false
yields 10 h 44 min
